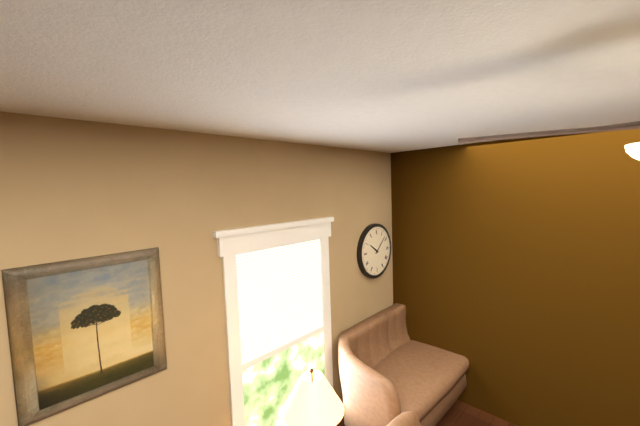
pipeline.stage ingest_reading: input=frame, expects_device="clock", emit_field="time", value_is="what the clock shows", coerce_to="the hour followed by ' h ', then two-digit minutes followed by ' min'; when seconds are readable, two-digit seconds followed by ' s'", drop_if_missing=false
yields 10 h 08 min
